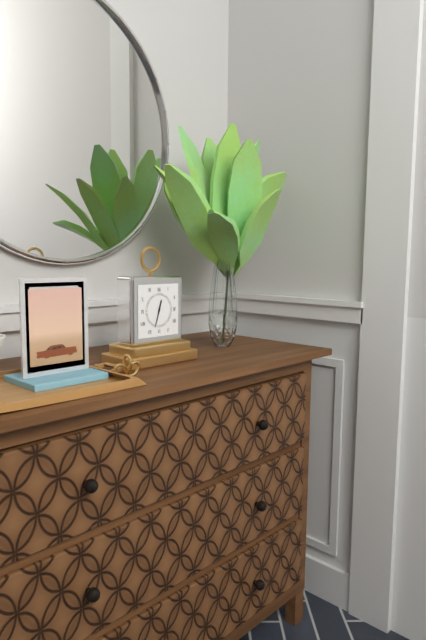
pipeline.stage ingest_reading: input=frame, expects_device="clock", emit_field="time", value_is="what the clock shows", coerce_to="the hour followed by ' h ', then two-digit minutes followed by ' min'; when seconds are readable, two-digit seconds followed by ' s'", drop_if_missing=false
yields 12 h 33 min
